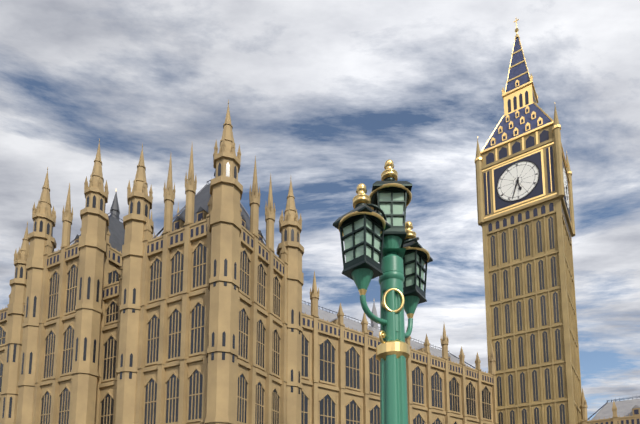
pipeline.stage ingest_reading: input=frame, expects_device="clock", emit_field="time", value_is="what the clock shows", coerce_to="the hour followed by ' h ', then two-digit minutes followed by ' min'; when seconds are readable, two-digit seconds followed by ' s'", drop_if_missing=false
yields 5 h 33 min
